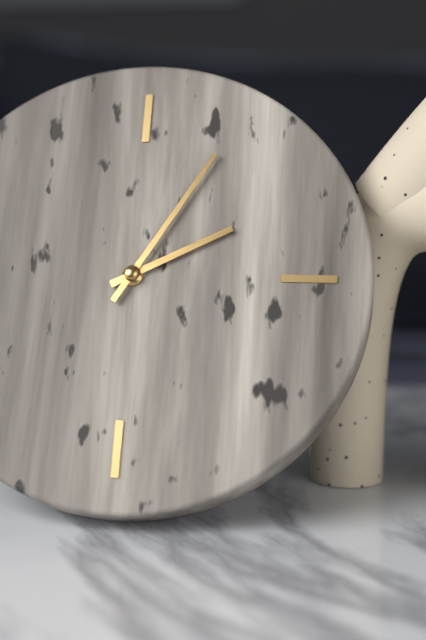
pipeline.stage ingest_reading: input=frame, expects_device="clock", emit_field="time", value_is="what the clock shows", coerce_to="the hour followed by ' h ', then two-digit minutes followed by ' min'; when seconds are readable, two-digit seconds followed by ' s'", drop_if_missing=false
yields 2 h 05 min
